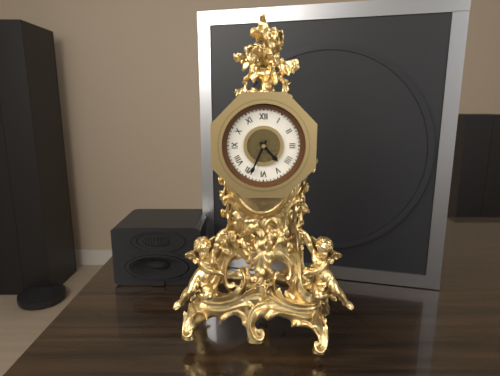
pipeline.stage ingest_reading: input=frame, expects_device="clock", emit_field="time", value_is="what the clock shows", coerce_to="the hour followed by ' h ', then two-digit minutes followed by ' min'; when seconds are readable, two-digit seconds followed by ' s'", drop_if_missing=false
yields 4 h 34 min
